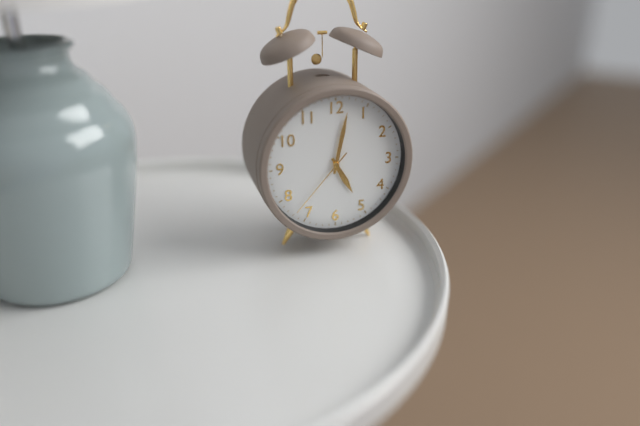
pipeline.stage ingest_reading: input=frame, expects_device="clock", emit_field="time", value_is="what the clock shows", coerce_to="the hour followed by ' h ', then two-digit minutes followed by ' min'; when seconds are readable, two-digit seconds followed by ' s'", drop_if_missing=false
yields 5 h 02 min 37 s
